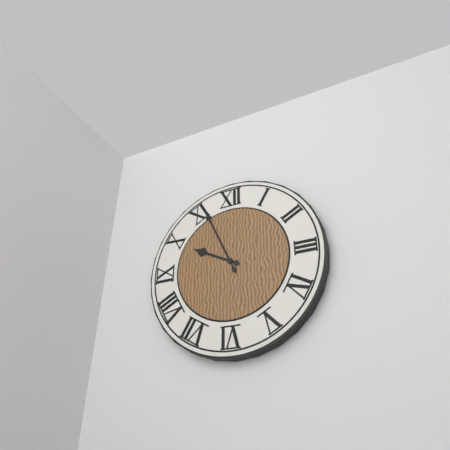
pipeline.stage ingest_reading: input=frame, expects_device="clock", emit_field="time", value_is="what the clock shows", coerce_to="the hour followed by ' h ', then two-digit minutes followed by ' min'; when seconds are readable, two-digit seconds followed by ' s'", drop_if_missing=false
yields 9 h 56 min
